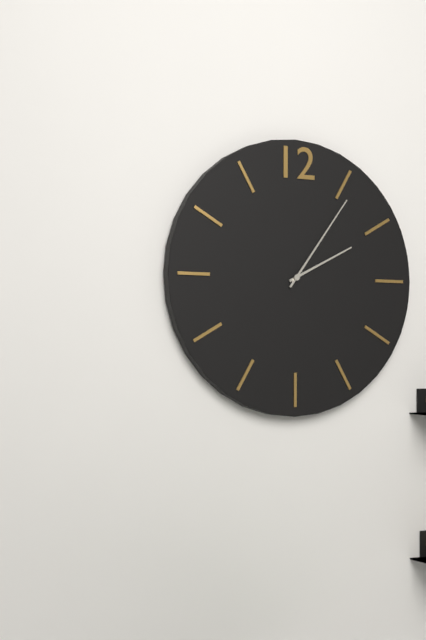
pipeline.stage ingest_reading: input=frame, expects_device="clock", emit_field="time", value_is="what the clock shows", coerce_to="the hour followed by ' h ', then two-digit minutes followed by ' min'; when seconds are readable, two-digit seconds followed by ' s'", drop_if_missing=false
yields 2 h 06 min
